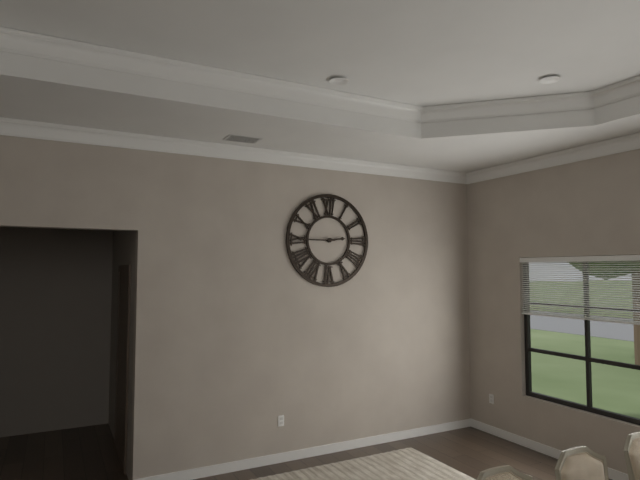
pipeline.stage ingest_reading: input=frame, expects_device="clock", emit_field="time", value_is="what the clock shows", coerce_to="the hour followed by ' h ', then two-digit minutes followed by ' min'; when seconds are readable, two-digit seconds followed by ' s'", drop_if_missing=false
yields 2 h 45 min
